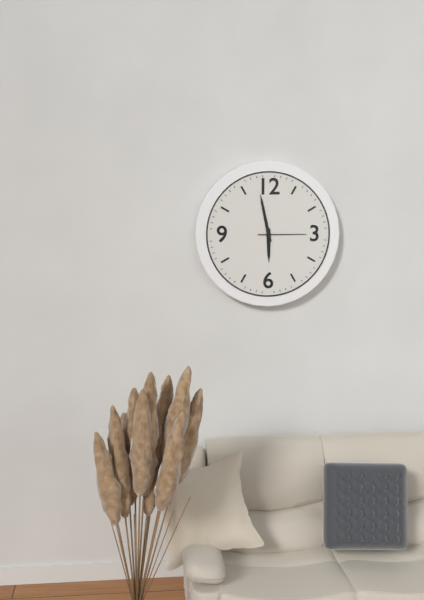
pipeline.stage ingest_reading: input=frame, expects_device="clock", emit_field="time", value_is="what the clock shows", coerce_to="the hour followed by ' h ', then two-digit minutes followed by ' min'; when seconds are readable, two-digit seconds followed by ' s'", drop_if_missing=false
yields 5 h 58 min
